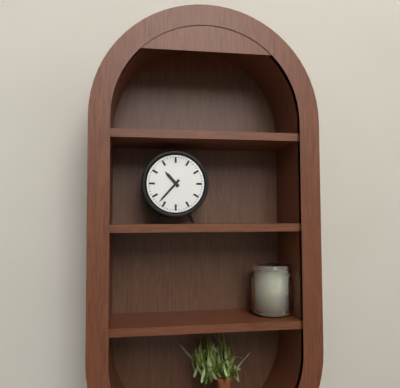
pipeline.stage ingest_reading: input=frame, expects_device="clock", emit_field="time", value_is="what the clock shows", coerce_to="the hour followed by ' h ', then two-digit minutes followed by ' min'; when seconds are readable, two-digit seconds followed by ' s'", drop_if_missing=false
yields 10 h 37 min
